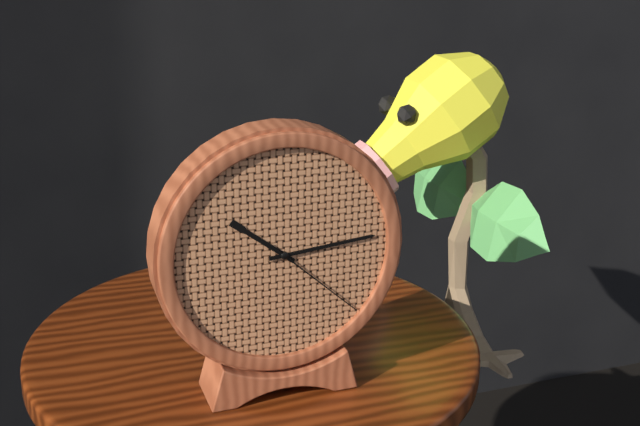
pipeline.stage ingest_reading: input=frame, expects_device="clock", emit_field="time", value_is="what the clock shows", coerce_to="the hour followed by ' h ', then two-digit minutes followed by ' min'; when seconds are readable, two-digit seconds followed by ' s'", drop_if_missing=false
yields 10 h 14 min 22 s
